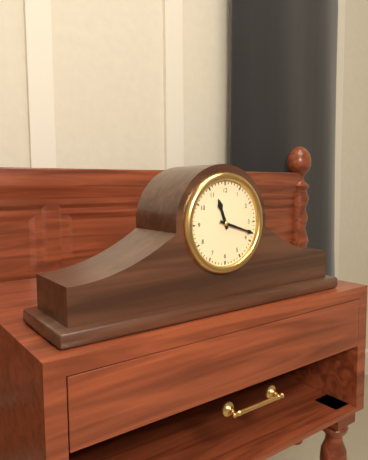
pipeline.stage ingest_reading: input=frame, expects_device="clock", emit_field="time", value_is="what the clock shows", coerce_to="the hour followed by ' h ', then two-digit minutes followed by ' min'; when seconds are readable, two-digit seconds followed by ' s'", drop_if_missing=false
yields 11 h 18 min
